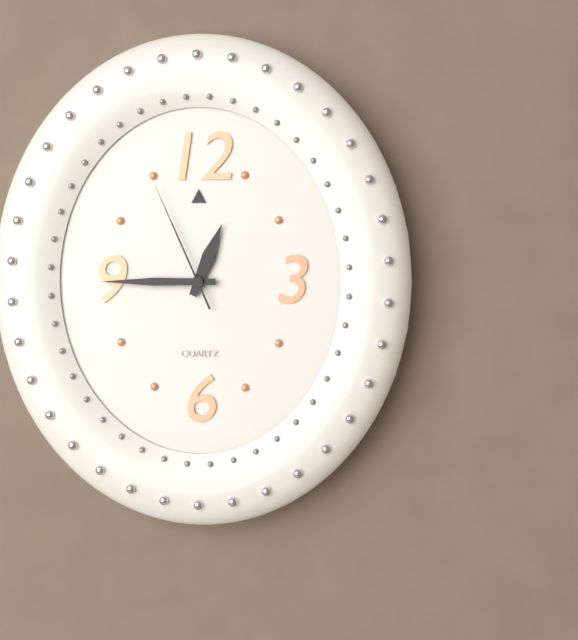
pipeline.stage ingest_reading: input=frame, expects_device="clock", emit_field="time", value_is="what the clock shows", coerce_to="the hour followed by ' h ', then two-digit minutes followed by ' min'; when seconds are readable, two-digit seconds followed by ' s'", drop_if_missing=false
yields 12 h 45 min 56 s
